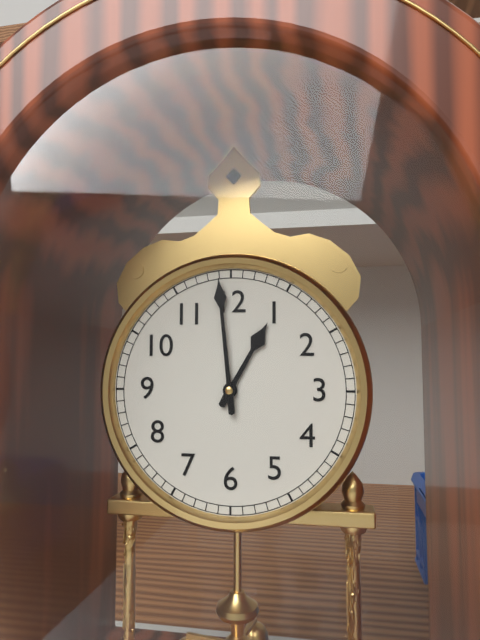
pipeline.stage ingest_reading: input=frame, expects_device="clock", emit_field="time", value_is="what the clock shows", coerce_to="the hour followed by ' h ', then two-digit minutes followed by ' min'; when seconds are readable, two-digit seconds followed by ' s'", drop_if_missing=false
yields 12 h 59 min
